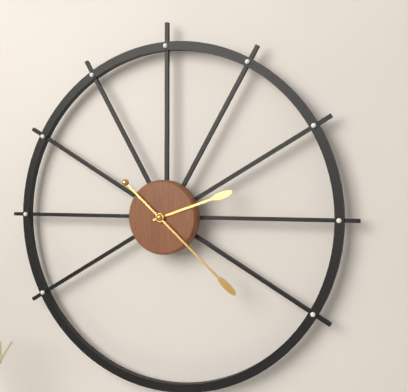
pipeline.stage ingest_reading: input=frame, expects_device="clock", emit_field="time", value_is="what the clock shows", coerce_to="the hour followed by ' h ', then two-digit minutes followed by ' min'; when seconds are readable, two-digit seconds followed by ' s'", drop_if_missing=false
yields 2 h 22 min
